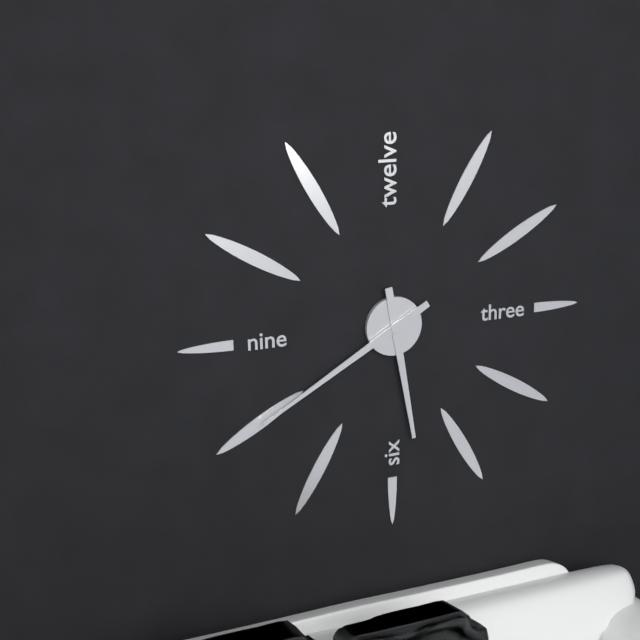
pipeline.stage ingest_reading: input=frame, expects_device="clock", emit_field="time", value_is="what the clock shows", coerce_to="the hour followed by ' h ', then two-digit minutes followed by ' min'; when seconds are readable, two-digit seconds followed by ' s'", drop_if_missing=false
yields 5 h 40 min
